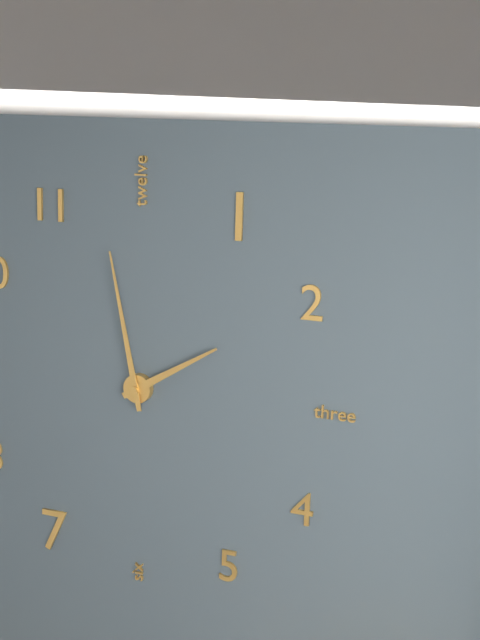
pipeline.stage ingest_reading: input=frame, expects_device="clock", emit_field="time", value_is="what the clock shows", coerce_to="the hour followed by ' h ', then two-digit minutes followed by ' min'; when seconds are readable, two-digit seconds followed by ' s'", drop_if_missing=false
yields 1 h 58 min
